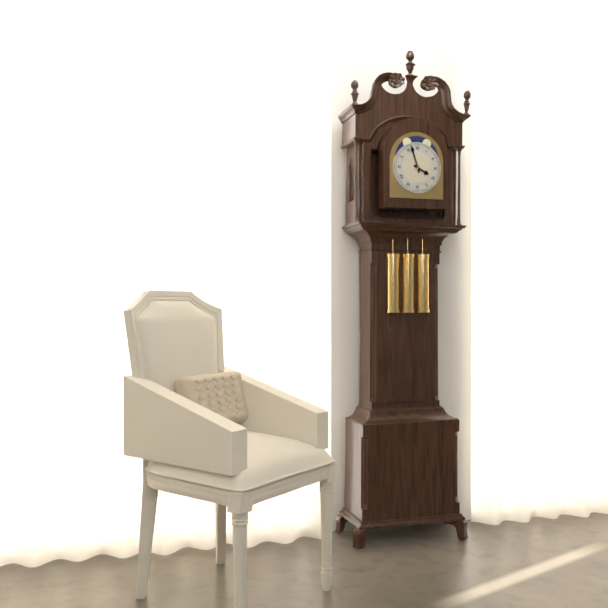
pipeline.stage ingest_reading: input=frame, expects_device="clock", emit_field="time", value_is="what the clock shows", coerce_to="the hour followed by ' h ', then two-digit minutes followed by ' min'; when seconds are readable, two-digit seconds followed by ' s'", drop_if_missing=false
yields 3 h 57 min
